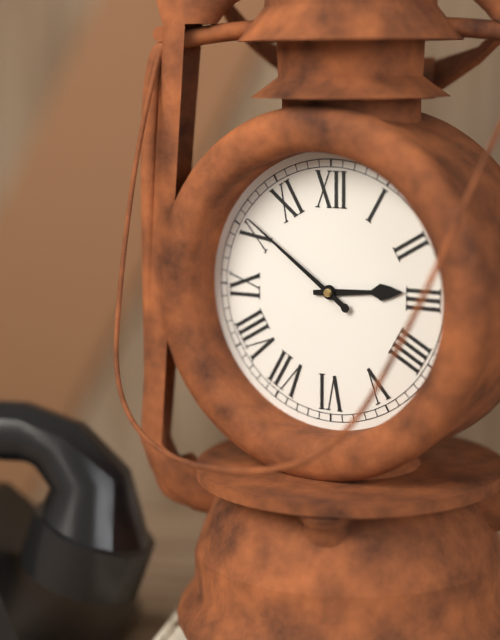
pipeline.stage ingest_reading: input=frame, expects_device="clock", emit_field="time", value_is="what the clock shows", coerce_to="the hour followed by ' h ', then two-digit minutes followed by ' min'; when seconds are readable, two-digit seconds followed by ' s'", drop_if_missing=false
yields 2 h 51 min
